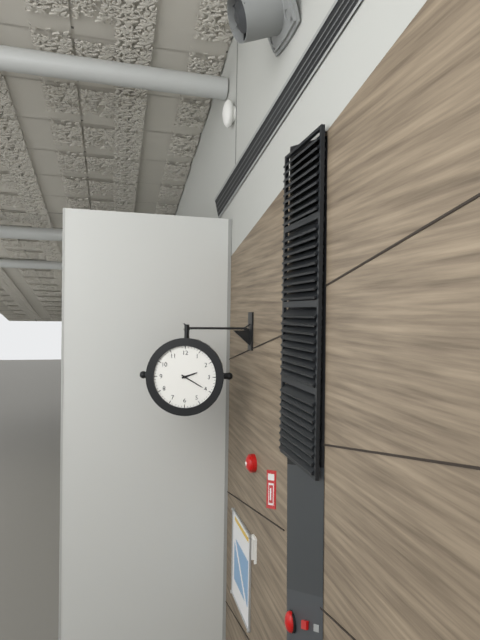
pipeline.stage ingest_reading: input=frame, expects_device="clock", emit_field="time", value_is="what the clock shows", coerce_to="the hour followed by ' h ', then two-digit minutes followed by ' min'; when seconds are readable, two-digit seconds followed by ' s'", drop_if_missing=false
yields 2 h 20 min
